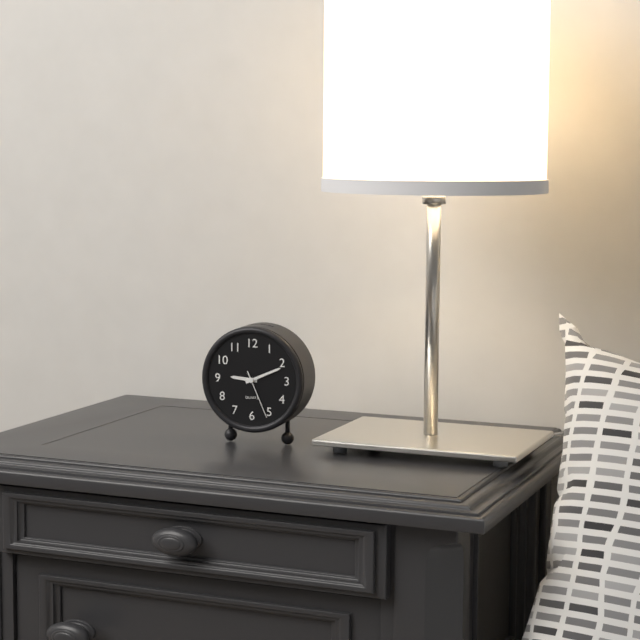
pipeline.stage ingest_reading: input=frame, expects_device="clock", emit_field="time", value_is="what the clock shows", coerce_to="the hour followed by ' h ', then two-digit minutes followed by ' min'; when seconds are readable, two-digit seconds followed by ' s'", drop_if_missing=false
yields 9 h 11 min 26 s
